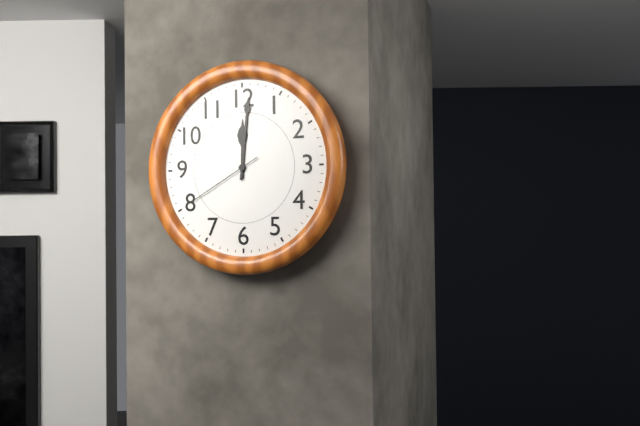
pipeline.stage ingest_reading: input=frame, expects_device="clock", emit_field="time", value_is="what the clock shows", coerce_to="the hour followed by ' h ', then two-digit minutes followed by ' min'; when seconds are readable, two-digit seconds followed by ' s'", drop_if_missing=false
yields 12 h 01 min 40 s
